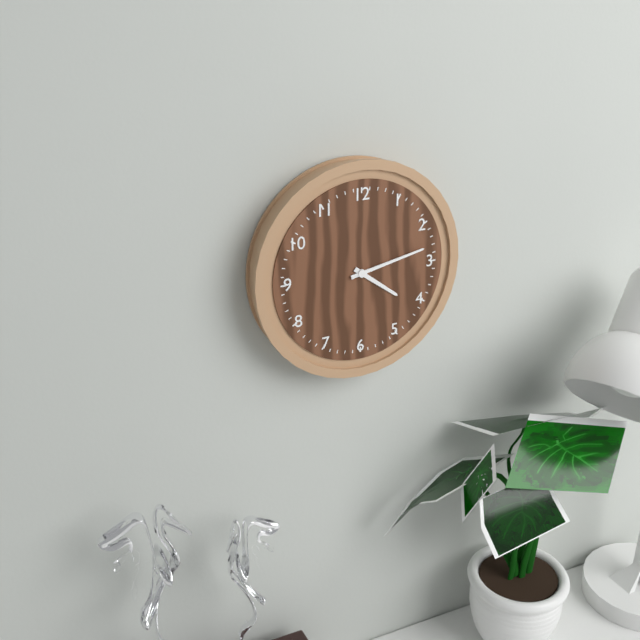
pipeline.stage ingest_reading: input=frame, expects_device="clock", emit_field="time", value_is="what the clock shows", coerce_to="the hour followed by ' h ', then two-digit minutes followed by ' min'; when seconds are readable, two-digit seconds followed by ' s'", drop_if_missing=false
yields 4 h 13 min
